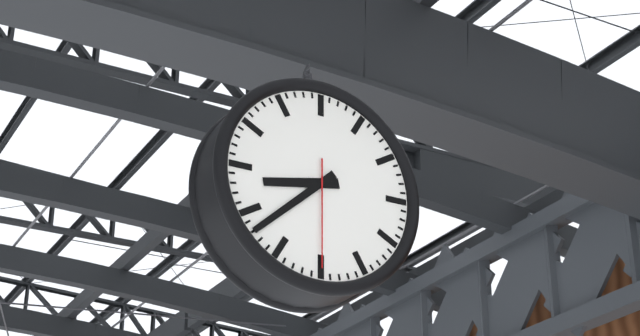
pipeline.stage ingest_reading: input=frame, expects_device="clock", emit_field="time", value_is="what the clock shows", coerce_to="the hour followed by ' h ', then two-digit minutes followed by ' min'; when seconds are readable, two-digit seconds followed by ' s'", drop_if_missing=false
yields 8 h 38 min 30 s
